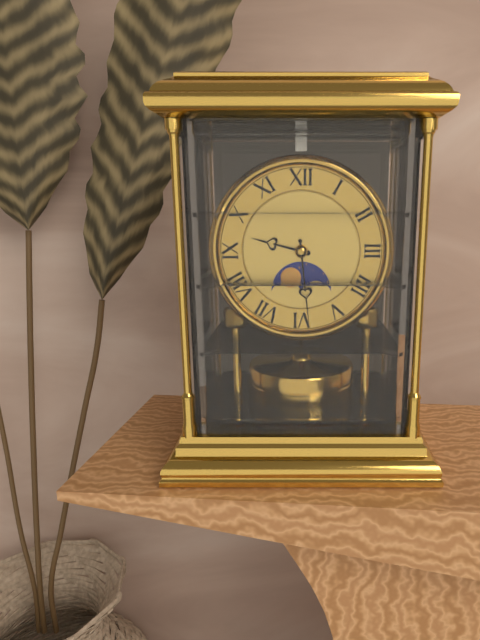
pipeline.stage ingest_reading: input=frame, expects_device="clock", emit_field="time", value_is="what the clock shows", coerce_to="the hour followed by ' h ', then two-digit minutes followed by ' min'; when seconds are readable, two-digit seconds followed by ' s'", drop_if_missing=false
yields 9 h 29 min
